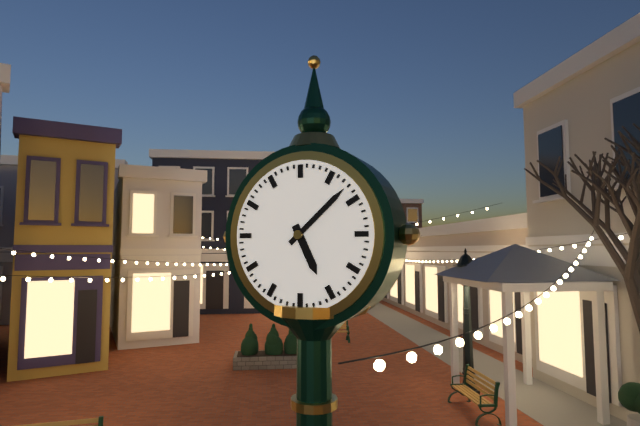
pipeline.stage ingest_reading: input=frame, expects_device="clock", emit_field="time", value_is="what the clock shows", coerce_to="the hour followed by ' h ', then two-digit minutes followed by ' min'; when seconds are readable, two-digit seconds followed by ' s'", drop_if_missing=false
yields 5 h 08 min
